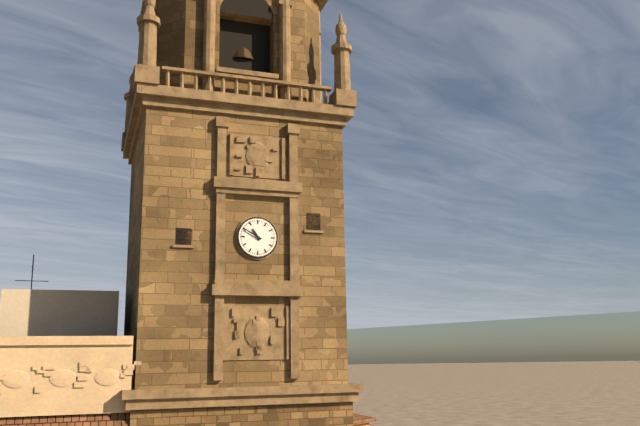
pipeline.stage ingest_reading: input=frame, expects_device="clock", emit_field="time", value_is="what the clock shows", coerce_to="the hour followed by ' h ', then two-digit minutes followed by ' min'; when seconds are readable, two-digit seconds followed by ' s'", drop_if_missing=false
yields 10 h 50 min
